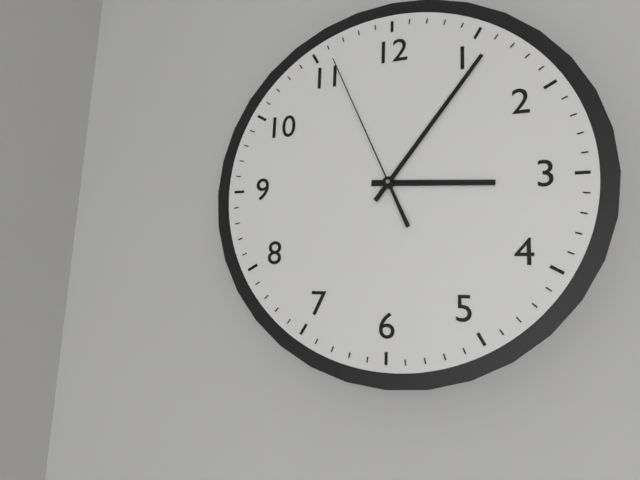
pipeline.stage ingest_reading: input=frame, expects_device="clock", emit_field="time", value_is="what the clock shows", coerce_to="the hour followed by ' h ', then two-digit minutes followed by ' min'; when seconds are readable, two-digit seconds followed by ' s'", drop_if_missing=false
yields 3 h 06 min 56 s
